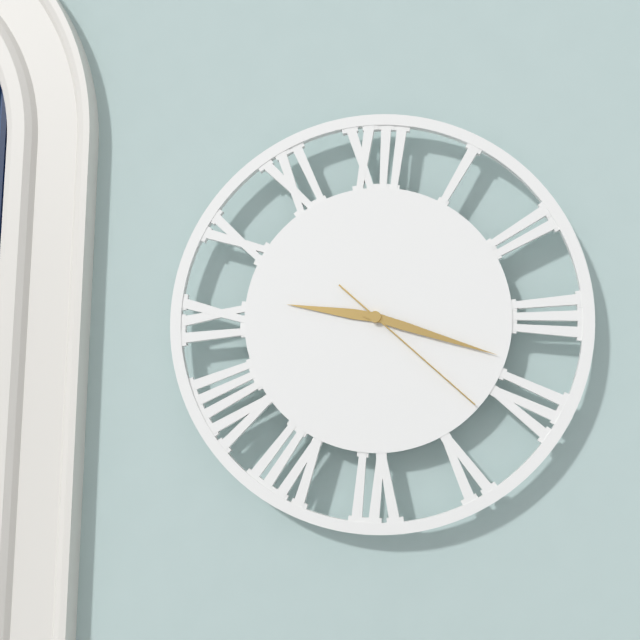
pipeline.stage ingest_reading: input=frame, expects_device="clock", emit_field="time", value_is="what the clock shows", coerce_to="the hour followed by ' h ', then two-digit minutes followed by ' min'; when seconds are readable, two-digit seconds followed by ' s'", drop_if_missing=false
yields 9 h 18 min 22 s
